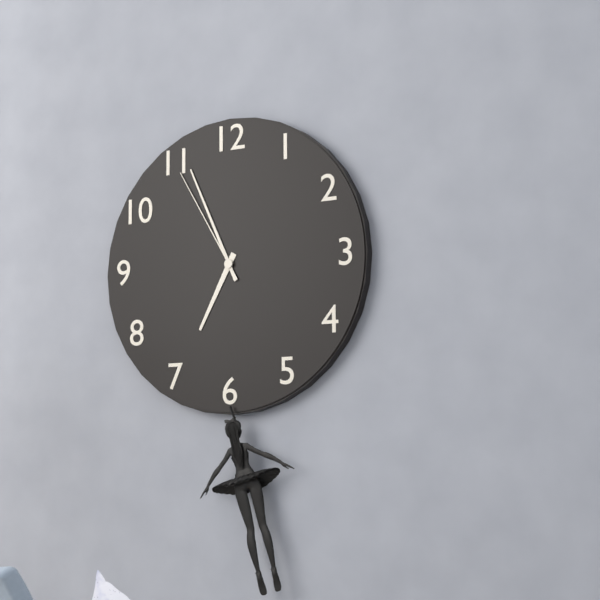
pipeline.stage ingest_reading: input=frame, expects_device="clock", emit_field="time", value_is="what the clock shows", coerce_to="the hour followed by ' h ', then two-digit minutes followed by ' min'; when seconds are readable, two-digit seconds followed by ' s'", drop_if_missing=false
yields 6 h 56 min 55 s
